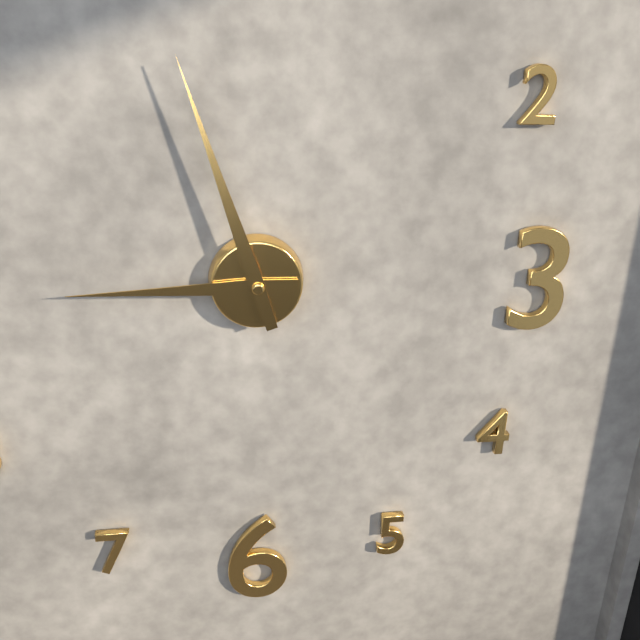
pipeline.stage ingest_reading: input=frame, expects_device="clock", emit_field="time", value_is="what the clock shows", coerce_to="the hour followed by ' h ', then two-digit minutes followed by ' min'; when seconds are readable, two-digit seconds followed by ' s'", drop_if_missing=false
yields 8 h 57 min
